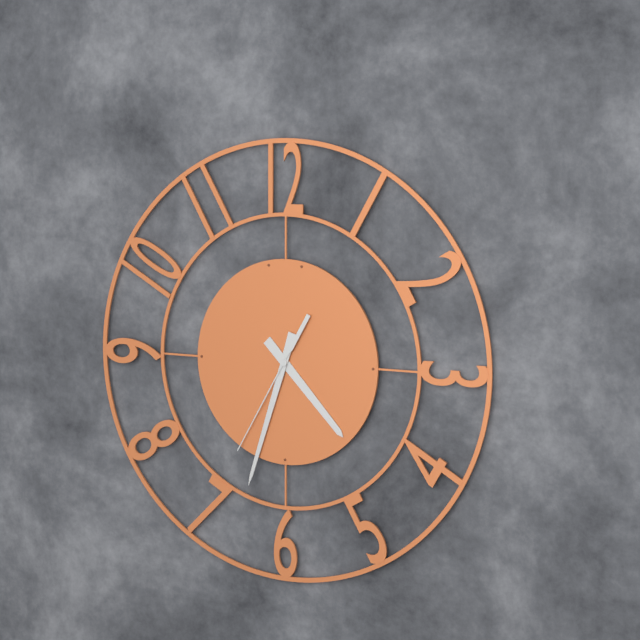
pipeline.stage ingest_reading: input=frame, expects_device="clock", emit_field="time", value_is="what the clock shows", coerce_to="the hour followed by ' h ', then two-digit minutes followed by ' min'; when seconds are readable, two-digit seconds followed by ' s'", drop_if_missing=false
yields 4 h 33 min 35 s
